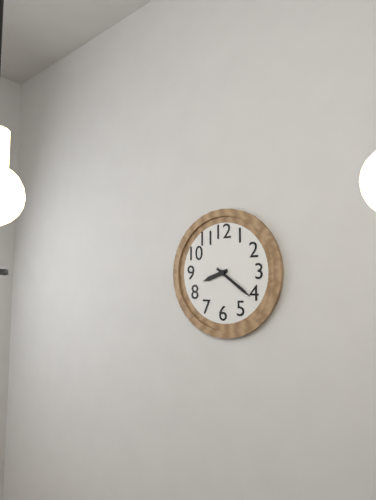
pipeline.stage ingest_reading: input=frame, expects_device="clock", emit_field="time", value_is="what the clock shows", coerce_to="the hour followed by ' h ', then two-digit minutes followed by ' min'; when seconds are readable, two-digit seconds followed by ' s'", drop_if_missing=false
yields 8 h 21 min
